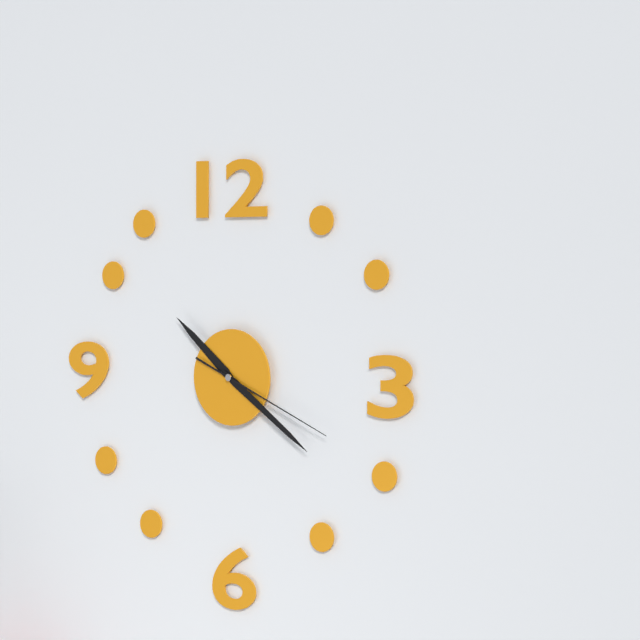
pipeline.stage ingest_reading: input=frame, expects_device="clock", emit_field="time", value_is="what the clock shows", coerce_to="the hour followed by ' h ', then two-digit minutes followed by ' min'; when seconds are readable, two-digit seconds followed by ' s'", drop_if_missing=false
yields 10 h 21 min 19 s
